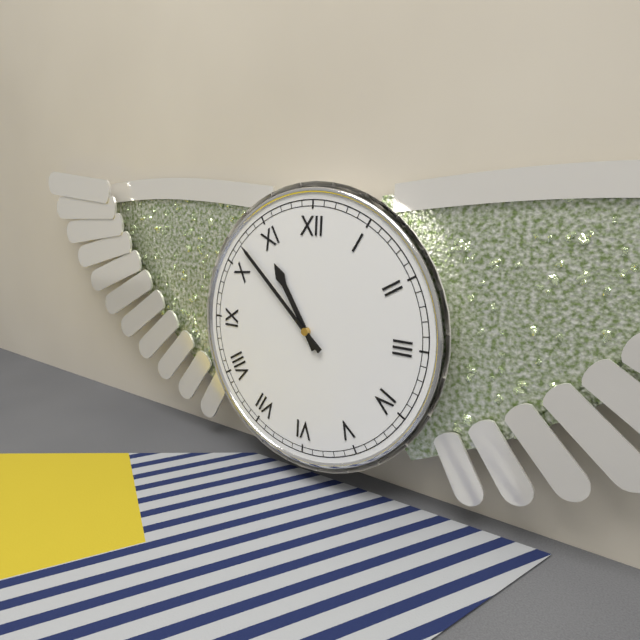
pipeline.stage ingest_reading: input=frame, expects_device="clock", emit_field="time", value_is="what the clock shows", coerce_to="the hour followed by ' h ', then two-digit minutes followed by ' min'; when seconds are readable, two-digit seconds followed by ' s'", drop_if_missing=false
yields 10 h 52 min
